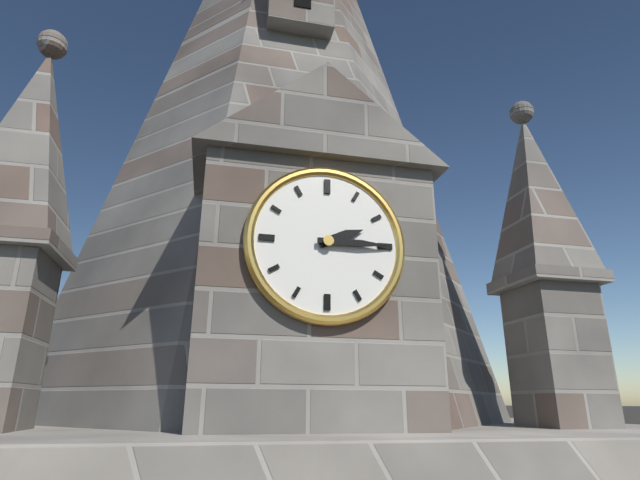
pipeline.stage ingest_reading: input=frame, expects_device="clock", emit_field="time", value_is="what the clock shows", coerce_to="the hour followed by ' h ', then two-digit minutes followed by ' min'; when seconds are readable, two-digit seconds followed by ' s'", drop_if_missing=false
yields 2 h 15 min
